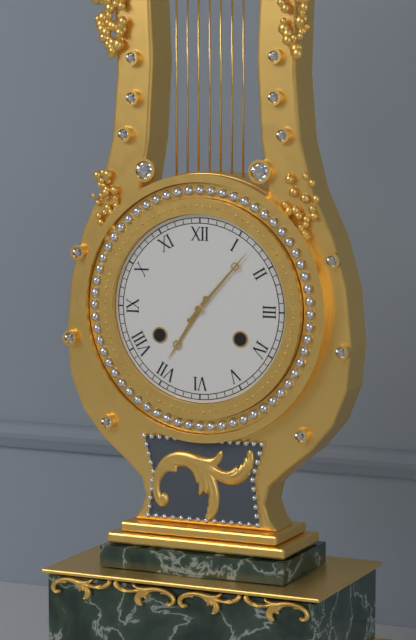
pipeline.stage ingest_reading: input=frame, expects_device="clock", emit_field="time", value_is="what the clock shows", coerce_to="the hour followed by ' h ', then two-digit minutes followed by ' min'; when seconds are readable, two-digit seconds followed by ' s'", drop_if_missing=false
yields 7 h 07 min
